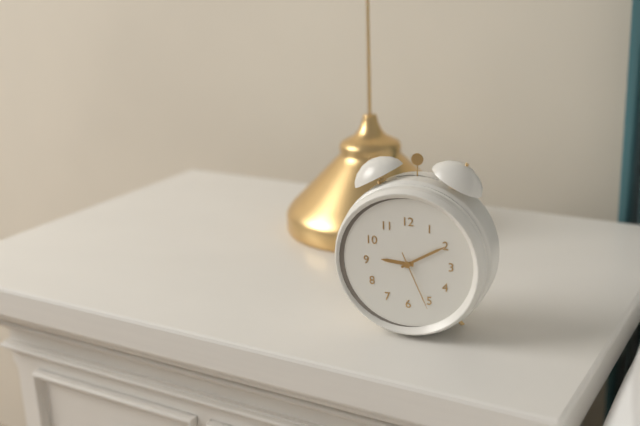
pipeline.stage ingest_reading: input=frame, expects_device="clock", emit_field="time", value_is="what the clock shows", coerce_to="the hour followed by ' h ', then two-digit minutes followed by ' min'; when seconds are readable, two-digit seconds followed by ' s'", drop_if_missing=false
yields 9 h 10 min 26 s
